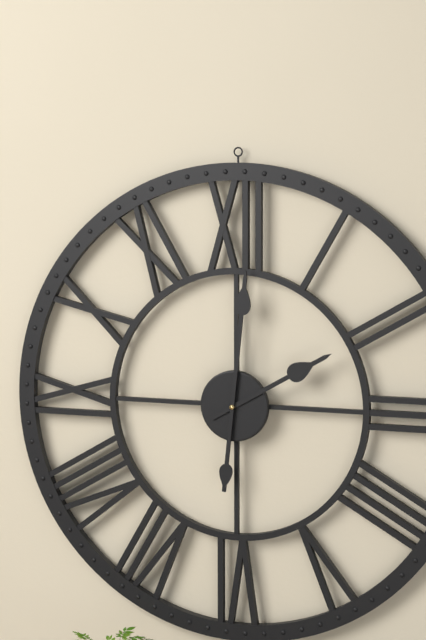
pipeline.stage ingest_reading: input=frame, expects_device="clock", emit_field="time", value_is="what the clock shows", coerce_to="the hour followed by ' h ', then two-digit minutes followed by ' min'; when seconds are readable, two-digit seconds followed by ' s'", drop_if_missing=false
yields 2 h 01 min
